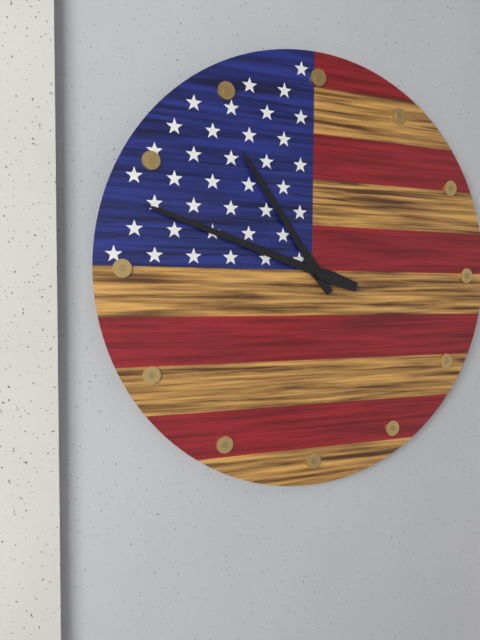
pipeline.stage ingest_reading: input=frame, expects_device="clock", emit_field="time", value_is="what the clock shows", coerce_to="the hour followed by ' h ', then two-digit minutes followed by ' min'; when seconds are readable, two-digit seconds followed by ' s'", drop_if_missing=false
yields 10 h 48 min
